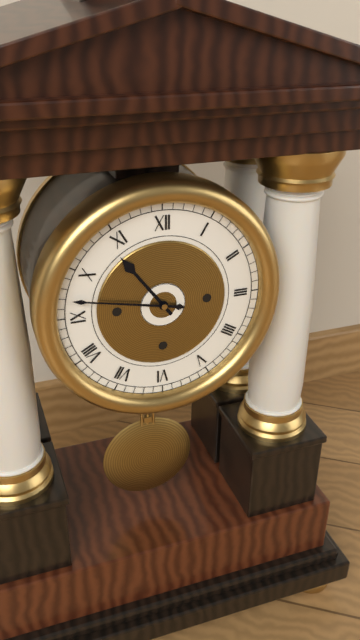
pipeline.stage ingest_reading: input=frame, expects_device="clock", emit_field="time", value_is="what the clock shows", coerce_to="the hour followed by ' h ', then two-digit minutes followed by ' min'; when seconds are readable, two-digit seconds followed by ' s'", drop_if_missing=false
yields 10 h 47 min
